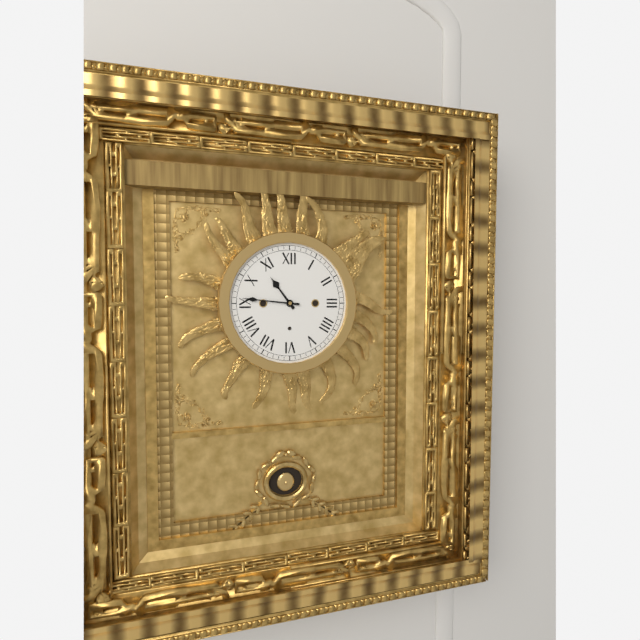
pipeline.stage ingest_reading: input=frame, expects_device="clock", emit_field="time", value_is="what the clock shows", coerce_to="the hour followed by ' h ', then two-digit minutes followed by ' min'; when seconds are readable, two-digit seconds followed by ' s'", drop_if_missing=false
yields 10 h 46 min
